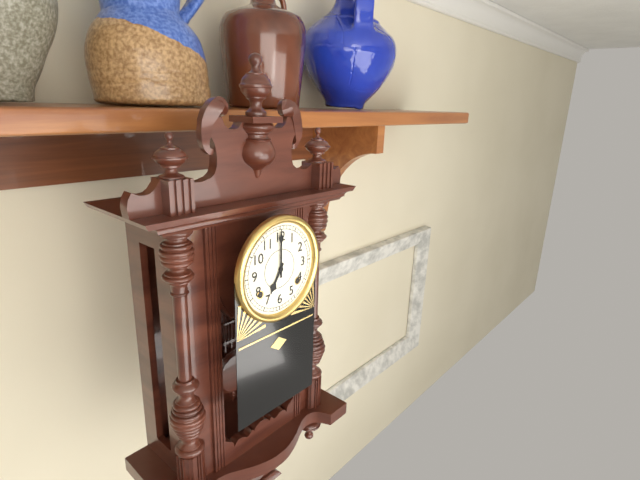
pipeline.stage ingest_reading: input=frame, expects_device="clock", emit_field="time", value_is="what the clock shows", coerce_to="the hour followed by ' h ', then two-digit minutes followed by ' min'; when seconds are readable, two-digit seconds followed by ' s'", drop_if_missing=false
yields 7 h 00 min
